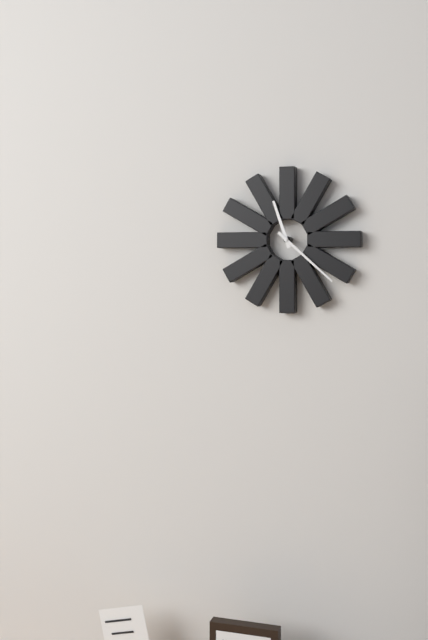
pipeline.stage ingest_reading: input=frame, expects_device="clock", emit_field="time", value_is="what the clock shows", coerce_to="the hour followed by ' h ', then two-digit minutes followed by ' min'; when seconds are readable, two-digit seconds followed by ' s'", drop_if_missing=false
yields 11 h 22 min
